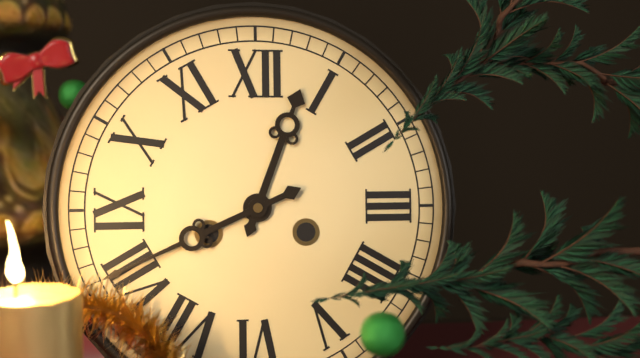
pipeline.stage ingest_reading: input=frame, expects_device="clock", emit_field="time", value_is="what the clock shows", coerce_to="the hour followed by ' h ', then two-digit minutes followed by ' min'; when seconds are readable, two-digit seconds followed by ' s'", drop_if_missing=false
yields 12 h 41 min
